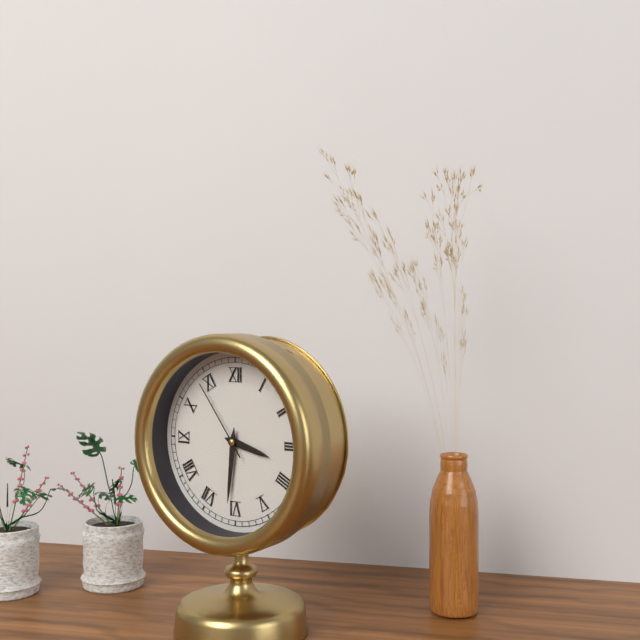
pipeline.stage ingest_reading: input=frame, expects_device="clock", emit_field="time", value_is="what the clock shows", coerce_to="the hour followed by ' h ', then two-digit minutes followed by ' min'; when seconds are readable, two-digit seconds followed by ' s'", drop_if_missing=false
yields 3 h 31 min 54 s
